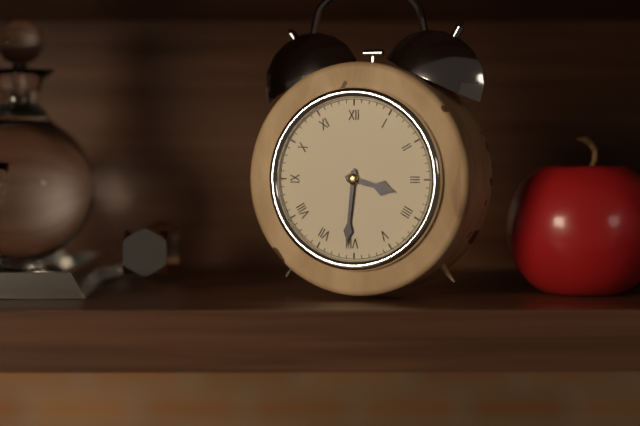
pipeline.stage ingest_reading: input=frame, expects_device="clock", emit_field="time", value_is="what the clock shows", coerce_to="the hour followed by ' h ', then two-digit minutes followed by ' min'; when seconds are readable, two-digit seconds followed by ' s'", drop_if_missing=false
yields 3 h 31 min
